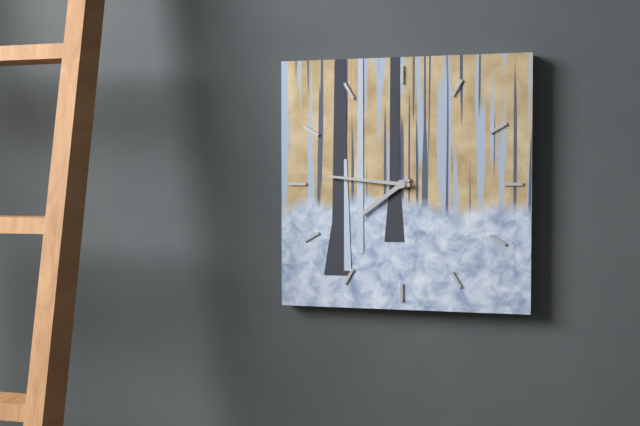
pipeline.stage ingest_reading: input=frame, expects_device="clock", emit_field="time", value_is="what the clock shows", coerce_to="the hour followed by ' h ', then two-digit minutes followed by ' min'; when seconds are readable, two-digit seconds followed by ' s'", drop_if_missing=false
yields 7 h 46 min
